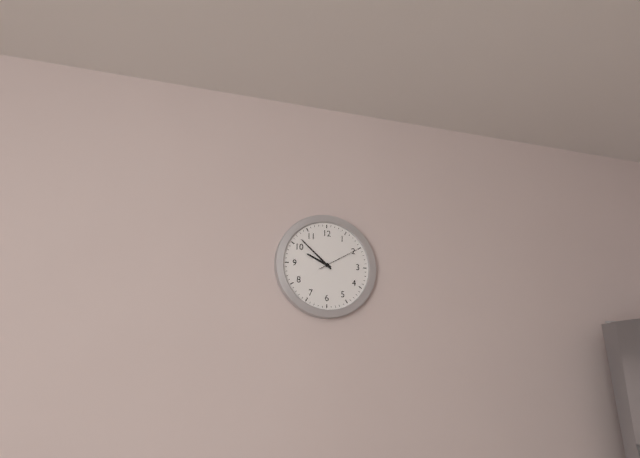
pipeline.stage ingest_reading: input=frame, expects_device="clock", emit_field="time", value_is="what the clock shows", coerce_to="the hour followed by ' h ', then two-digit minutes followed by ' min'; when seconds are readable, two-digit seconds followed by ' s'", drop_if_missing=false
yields 9 h 52 min
